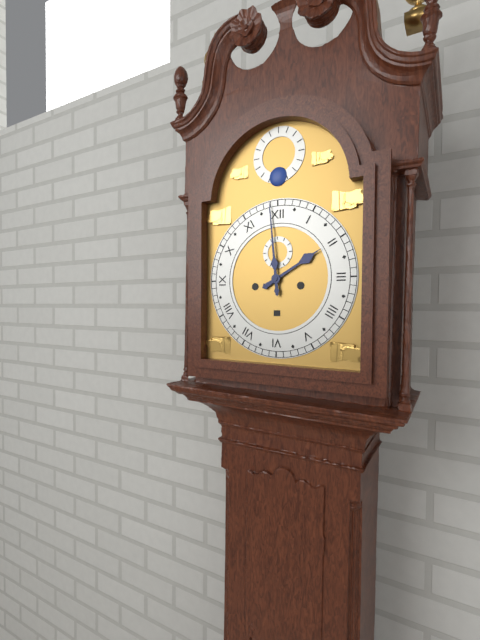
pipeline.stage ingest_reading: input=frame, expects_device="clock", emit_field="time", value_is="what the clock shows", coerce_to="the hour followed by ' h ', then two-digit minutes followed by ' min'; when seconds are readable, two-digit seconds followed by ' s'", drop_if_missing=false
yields 1 h 59 min
